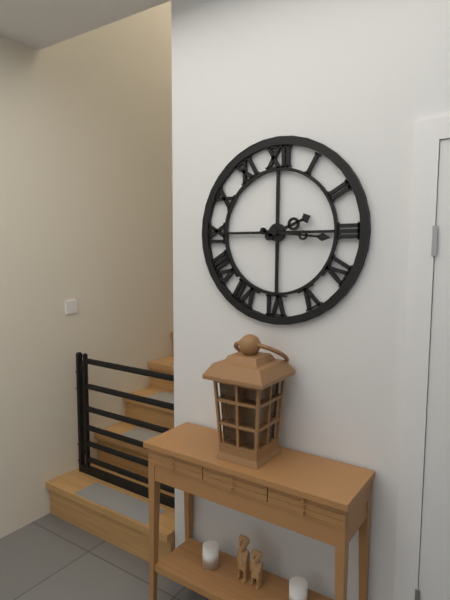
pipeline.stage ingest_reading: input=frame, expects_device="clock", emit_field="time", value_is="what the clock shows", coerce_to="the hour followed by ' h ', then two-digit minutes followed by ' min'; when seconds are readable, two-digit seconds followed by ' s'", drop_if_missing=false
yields 2 h 16 min
